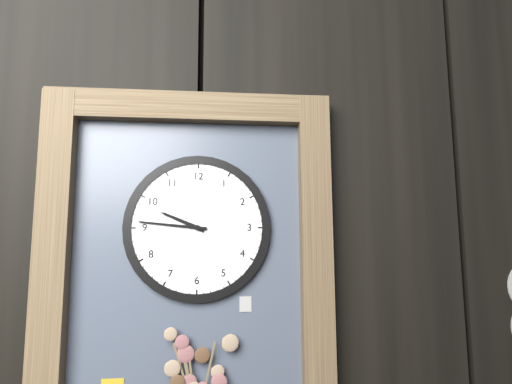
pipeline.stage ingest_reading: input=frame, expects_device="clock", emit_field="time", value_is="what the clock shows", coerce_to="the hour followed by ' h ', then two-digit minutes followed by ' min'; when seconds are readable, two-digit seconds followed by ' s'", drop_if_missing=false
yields 9 h 46 min
